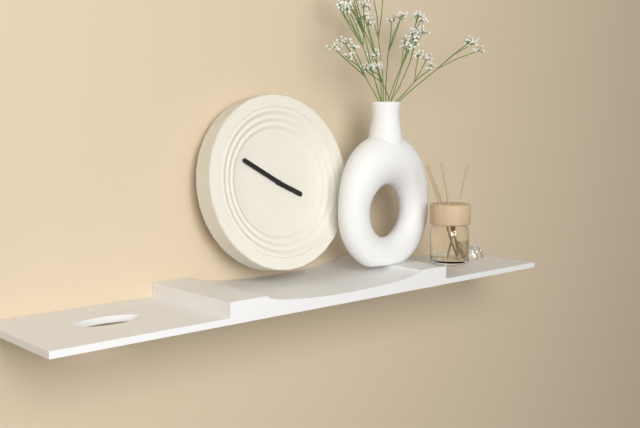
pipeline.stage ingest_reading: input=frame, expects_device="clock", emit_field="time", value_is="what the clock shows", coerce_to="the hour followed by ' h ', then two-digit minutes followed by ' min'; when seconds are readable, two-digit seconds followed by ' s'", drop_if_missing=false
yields 3 h 50 min
